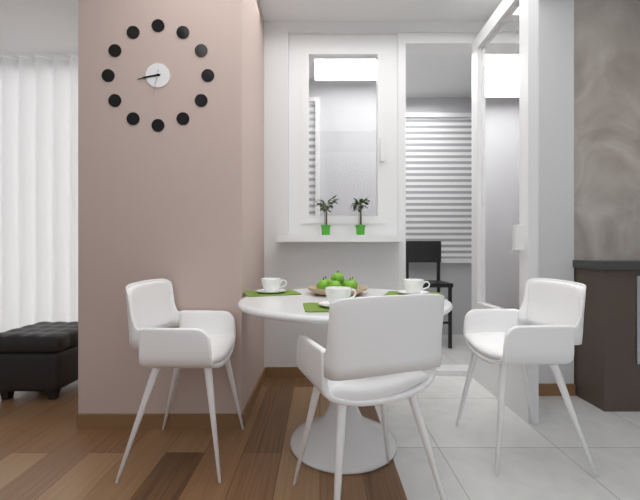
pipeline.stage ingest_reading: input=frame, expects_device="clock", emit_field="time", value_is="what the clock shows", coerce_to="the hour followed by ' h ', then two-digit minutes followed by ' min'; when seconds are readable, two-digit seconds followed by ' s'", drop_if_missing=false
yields 8 h 43 min
